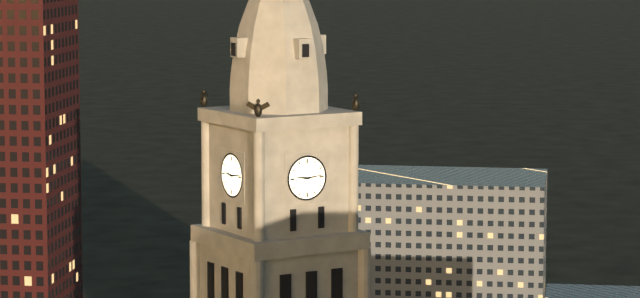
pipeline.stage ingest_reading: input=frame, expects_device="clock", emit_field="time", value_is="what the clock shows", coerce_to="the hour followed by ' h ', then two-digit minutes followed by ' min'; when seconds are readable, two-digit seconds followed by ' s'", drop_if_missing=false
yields 9 h 14 min
